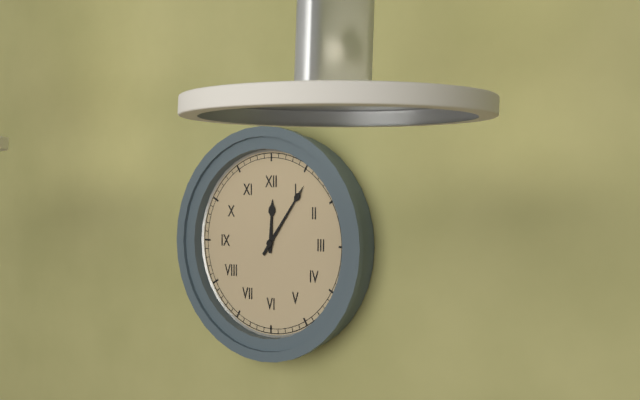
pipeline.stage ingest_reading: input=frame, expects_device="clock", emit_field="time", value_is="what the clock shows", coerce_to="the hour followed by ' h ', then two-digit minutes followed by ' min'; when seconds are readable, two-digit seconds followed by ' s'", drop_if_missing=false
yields 12 h 06 min
